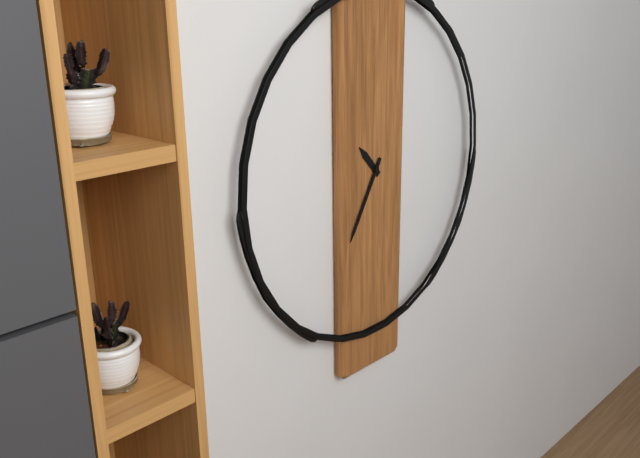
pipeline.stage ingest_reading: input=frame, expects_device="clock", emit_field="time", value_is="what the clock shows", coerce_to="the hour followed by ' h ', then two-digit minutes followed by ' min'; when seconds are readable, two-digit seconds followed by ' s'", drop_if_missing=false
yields 10 h 35 min
